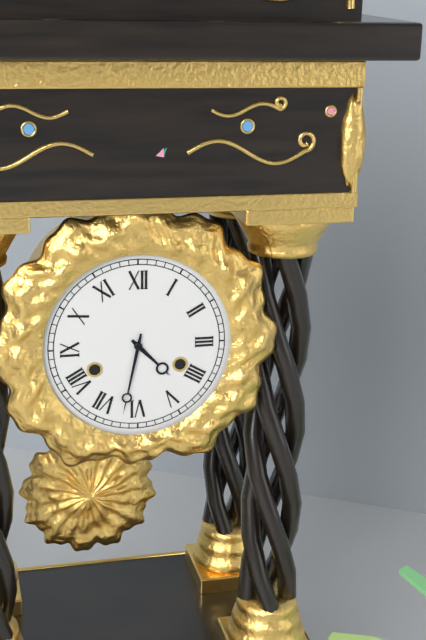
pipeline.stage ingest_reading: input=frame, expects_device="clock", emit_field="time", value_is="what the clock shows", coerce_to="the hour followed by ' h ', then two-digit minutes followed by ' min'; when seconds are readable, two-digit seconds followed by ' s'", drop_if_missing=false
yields 4 h 32 min
